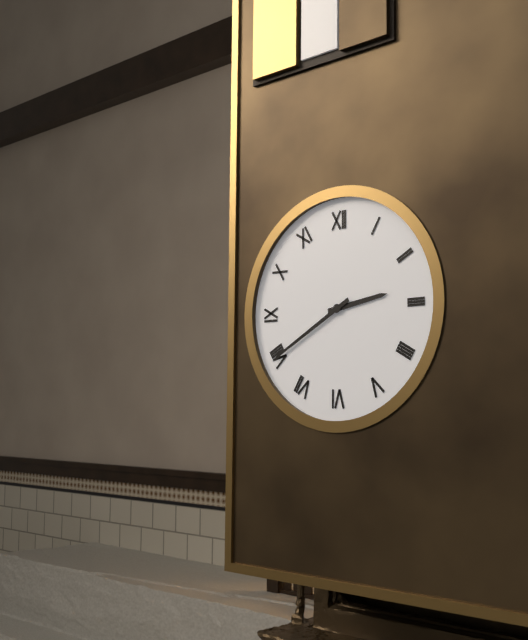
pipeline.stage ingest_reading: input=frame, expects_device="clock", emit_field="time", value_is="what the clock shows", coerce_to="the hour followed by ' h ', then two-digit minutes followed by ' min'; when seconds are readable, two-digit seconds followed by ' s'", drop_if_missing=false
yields 2 h 40 min
